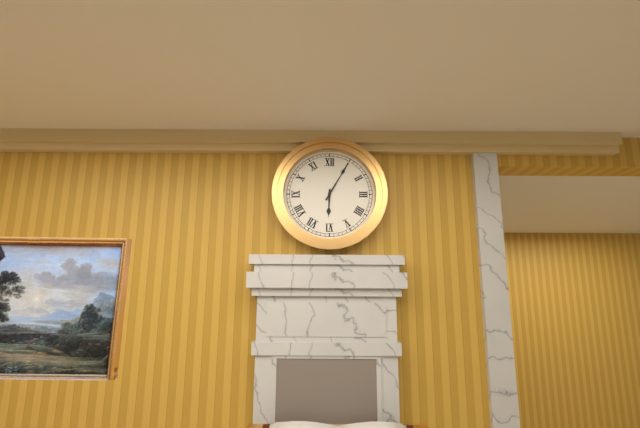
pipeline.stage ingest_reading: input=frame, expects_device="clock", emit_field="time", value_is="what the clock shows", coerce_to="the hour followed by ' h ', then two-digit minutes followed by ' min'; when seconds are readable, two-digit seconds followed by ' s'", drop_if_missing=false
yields 6 h 05 min
